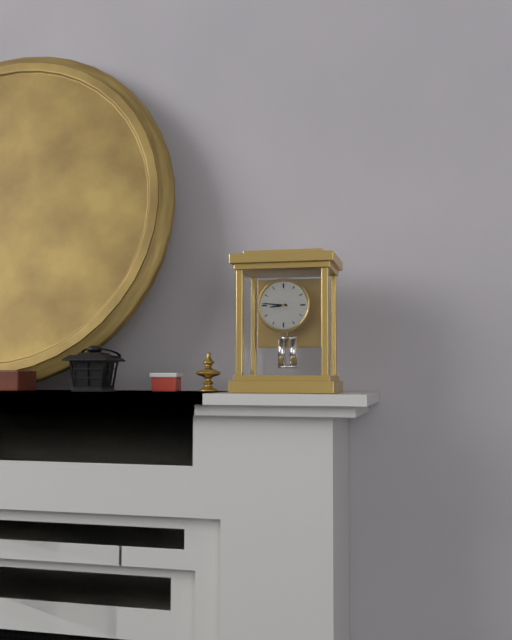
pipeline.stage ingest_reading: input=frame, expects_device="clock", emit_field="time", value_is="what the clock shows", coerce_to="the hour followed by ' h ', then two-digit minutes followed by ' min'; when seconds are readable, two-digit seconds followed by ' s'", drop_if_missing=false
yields 8 h 46 min
